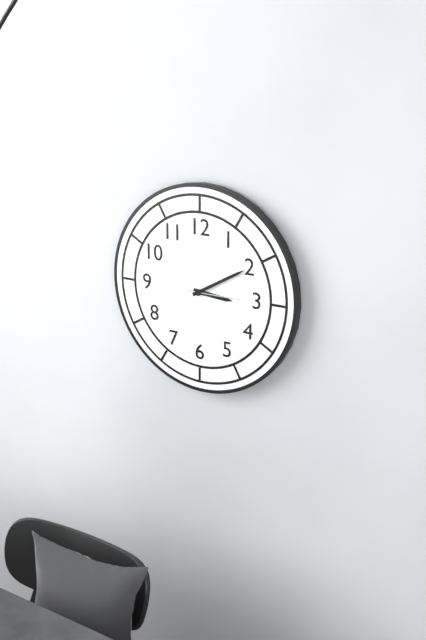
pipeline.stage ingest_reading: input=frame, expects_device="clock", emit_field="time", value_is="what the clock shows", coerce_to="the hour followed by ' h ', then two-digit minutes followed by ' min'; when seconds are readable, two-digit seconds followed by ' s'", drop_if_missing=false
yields 3 h 10 min 15 s
